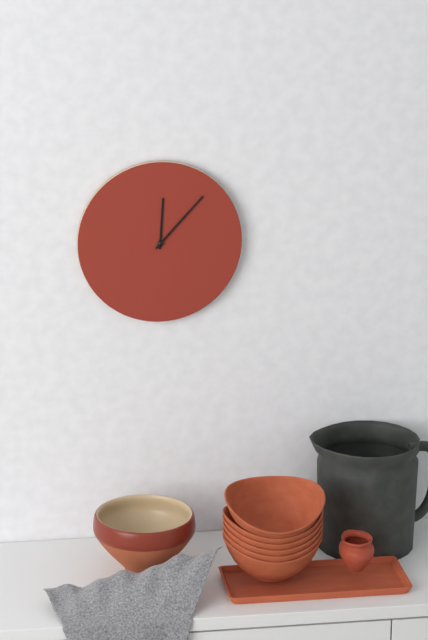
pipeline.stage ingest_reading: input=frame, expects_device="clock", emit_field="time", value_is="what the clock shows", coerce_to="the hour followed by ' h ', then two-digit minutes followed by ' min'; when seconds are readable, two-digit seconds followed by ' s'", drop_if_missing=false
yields 12 h 07 min
